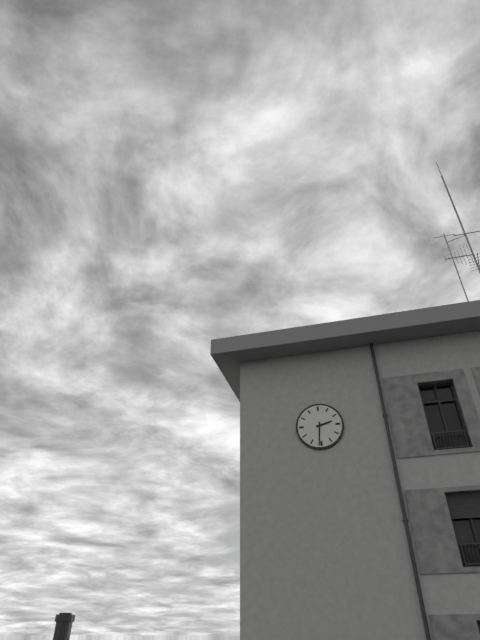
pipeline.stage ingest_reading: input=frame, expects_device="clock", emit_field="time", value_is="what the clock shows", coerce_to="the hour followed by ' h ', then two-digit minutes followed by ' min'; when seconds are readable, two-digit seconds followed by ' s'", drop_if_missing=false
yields 2 h 31 min
